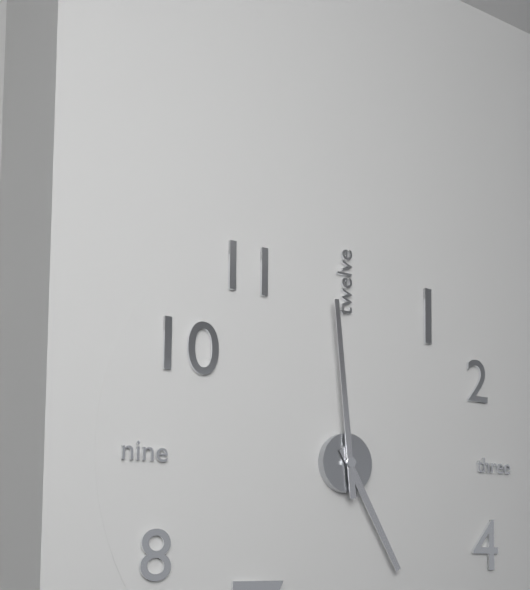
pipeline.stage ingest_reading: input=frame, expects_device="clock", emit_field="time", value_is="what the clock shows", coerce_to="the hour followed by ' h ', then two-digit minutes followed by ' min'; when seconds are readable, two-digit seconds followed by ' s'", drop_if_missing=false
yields 4 h 59 min
